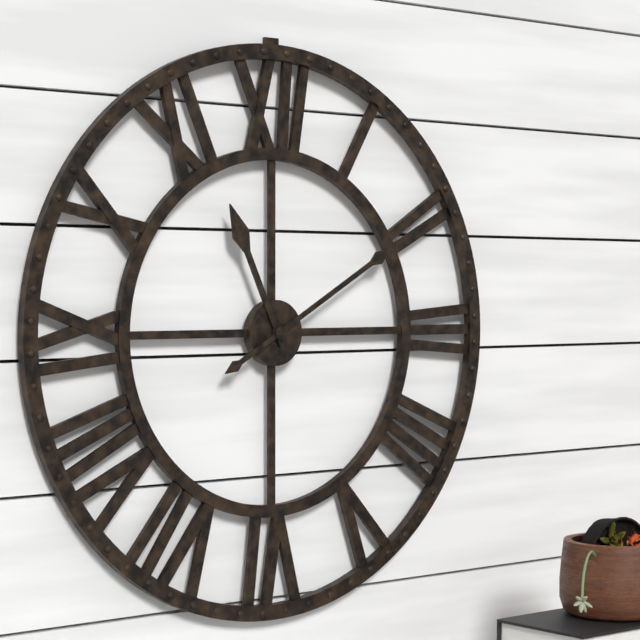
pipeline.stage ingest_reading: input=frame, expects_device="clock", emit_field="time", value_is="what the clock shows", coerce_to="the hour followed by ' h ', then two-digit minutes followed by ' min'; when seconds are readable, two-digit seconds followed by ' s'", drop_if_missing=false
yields 11 h 10 min
